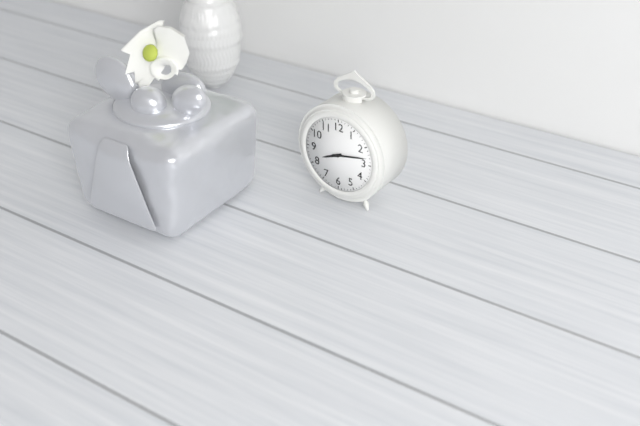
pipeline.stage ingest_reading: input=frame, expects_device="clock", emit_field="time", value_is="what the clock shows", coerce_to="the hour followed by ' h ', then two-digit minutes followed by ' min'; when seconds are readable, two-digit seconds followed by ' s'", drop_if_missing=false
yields 8 h 13 min
